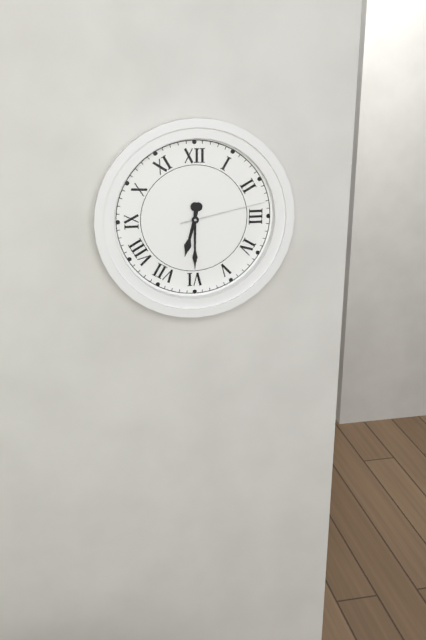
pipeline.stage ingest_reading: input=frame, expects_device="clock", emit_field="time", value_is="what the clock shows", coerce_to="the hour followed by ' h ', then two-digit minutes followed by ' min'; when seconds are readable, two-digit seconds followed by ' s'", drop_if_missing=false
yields 6 h 30 min 13 s
